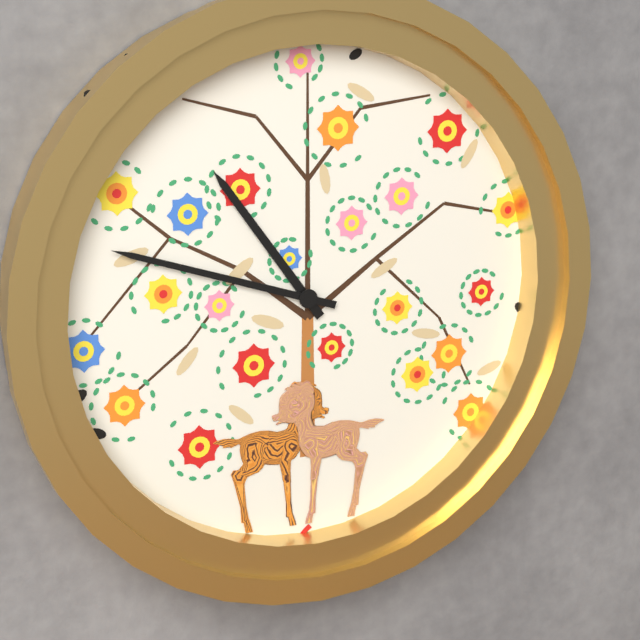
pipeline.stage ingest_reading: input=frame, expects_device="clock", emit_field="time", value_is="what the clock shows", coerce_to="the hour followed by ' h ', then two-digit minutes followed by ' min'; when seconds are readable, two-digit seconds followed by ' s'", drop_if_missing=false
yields 10 h 48 min
